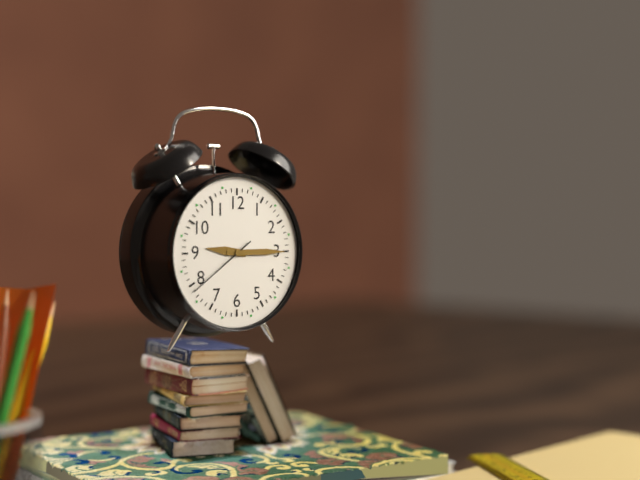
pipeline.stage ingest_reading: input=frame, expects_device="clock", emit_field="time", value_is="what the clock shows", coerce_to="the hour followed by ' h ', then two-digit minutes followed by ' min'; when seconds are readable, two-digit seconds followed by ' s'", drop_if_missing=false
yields 9 h 15 min 39 s
